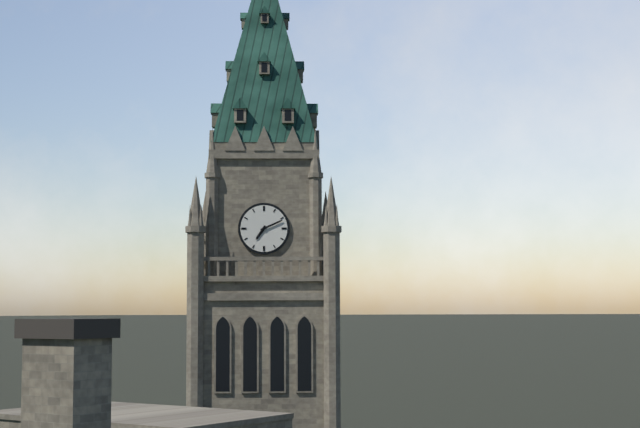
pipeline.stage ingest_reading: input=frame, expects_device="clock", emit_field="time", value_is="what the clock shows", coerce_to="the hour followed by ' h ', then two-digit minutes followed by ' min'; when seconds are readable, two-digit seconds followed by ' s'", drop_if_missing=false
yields 7 h 11 min
